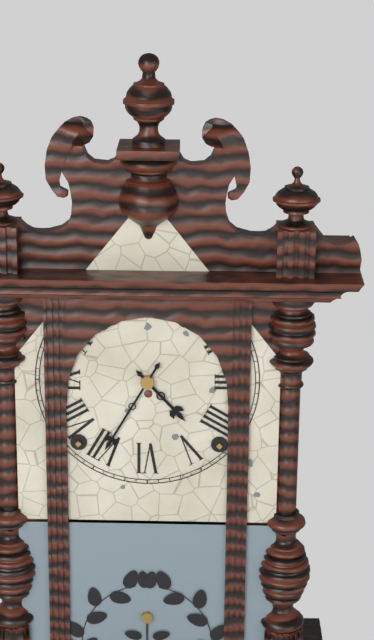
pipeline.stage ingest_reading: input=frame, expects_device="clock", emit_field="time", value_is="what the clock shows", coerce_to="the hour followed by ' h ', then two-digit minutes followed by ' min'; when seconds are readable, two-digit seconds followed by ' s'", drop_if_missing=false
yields 4 h 35 min
